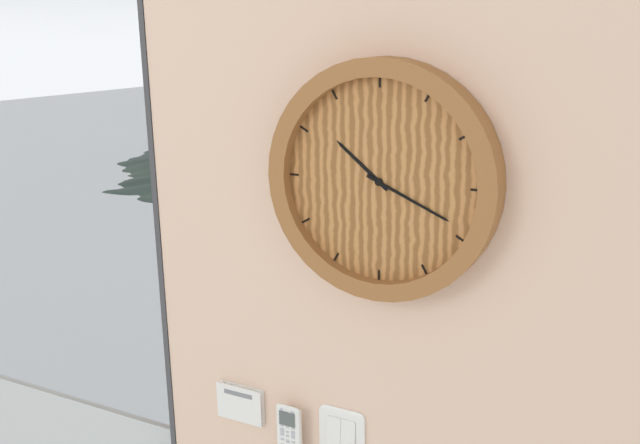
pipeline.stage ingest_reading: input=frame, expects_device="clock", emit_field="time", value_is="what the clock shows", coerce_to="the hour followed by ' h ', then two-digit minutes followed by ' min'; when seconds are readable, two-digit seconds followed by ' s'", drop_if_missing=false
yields 10 h 19 min
